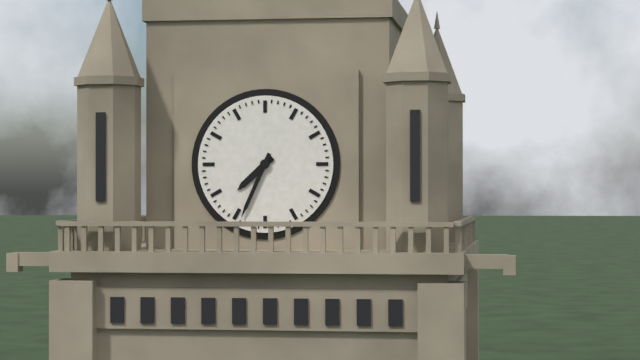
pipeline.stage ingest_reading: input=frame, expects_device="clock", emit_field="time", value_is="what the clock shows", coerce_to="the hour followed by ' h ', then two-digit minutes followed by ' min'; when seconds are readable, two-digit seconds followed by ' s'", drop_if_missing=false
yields 7 h 34 min
